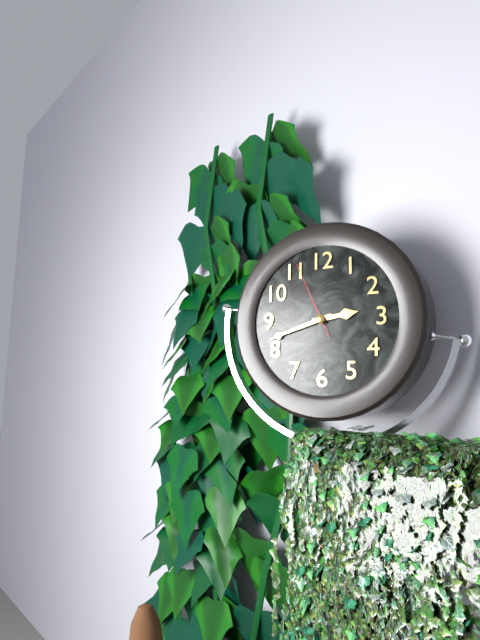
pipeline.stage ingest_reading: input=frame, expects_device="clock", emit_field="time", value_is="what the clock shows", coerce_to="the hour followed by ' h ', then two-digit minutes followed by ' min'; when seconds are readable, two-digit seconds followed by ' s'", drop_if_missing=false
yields 2 h 42 min 56 s
